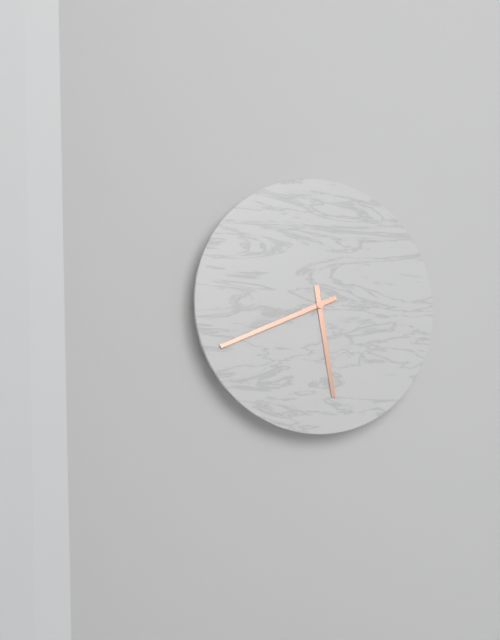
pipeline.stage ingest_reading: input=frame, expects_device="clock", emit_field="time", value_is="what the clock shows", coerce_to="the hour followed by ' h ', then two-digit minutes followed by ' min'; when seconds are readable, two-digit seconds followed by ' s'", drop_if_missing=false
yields 5 h 41 min
